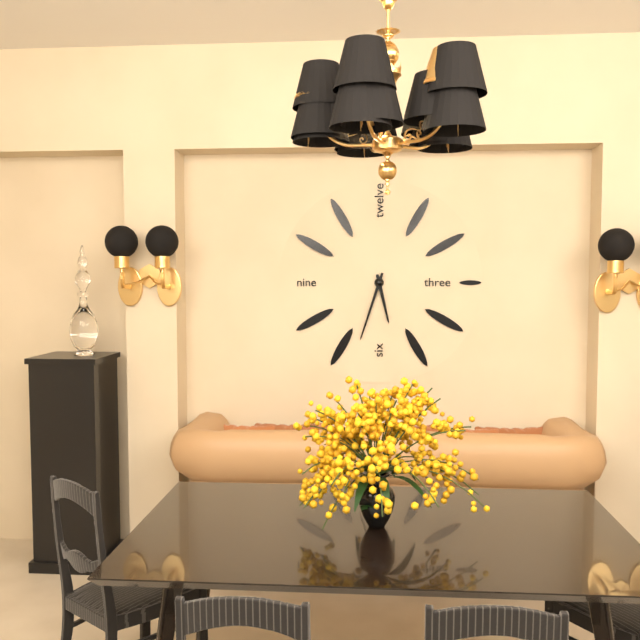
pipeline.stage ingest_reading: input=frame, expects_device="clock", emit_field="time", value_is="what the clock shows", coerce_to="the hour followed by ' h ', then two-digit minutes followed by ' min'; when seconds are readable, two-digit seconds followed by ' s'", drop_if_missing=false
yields 5 h 33 min
